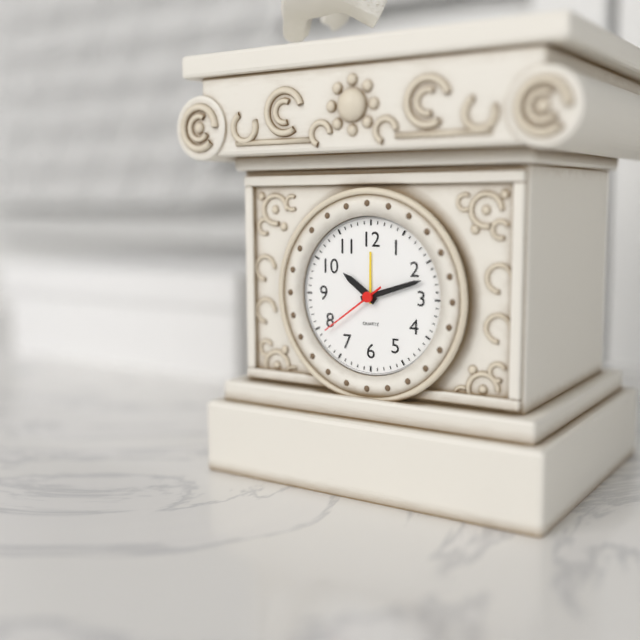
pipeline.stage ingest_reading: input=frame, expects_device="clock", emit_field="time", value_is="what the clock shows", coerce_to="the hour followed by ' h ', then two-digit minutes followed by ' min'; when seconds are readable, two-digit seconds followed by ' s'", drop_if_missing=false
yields 10 h 12 min 39 s
